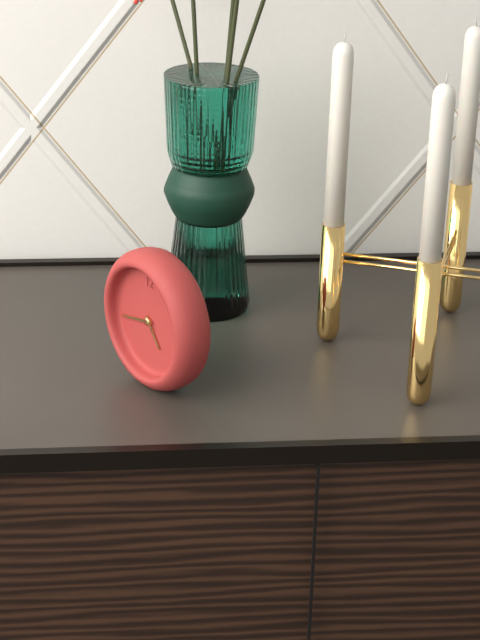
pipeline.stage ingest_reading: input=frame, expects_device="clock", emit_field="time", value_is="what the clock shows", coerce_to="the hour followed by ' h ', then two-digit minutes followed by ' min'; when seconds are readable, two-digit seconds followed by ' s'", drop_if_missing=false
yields 4 h 43 min
